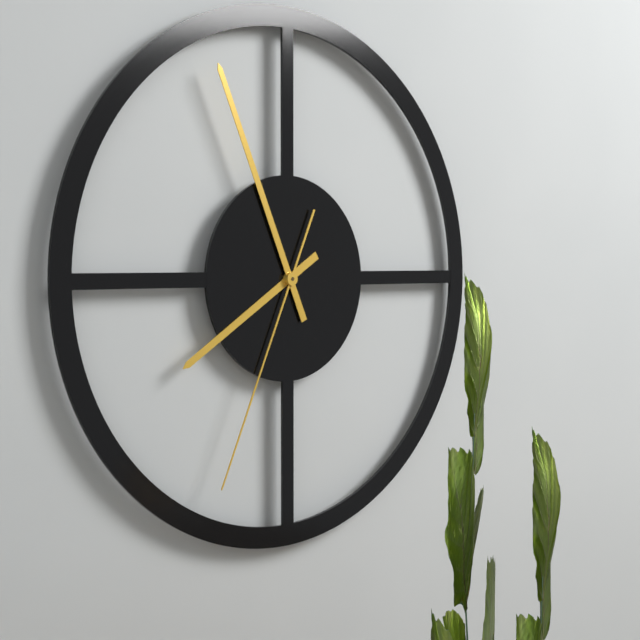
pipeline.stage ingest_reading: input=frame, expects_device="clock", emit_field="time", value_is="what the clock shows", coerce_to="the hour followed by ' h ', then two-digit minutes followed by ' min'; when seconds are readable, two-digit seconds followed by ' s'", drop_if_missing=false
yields 7 h 56 min 34 s
